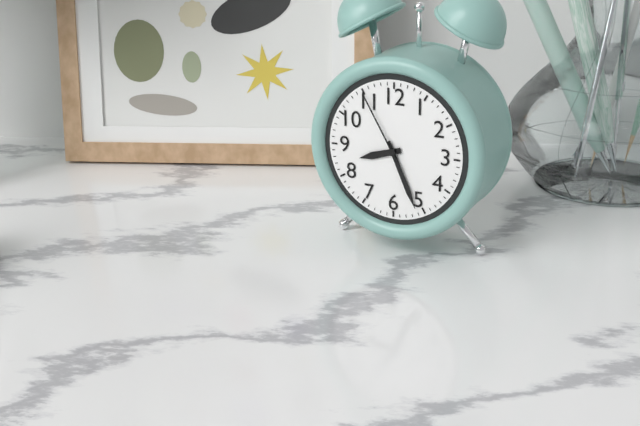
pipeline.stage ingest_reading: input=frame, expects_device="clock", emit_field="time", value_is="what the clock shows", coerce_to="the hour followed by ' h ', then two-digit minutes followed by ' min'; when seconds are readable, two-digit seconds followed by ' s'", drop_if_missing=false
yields 8 h 26 min 55 s
